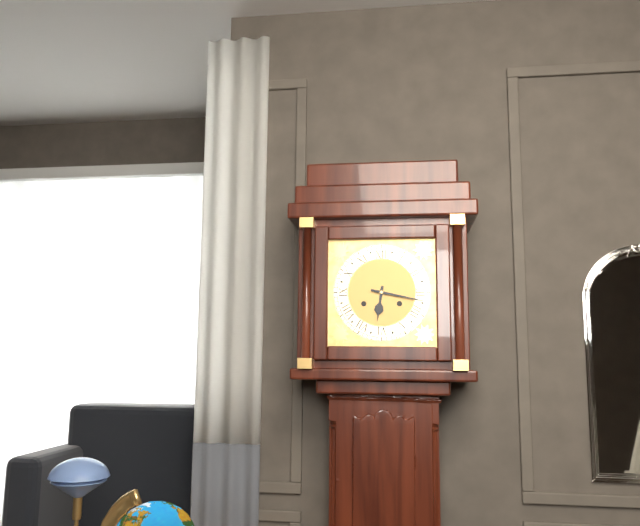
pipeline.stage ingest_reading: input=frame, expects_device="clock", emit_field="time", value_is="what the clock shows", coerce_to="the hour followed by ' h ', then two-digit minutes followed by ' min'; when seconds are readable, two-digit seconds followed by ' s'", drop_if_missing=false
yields 6 h 17 min
